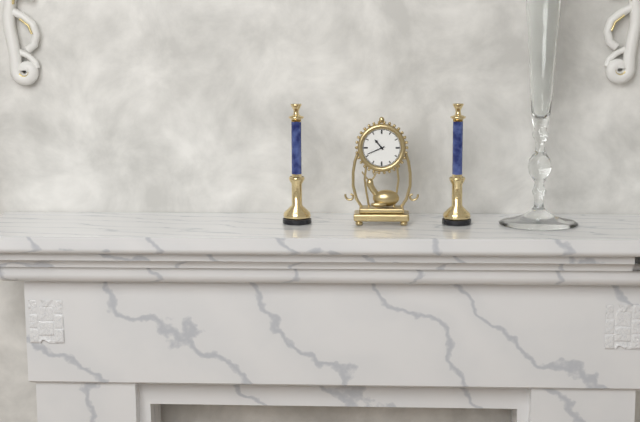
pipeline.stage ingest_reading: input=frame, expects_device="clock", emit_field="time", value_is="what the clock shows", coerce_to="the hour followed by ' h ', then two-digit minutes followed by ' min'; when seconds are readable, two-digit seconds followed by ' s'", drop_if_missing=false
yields 10 h 41 min
